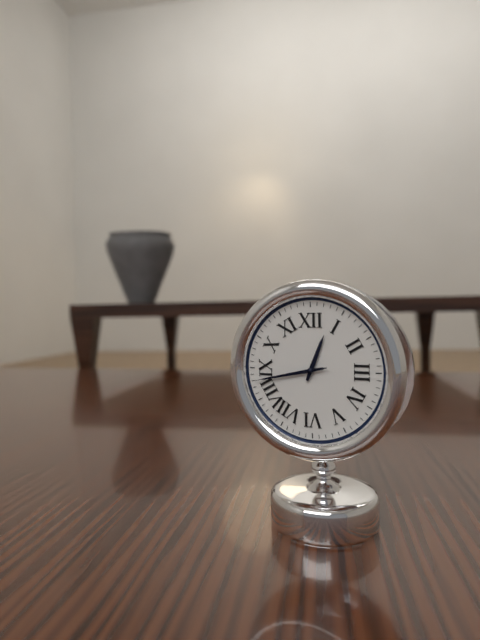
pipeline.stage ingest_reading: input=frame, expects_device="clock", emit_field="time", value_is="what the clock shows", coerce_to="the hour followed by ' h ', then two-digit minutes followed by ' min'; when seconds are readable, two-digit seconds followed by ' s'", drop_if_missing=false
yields 12 h 43 min 43 s
